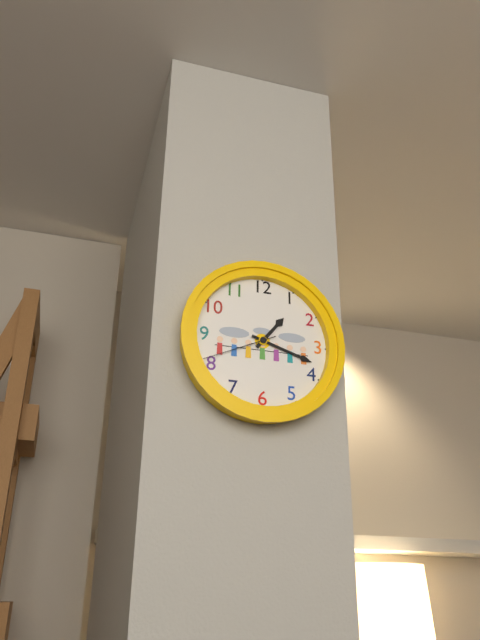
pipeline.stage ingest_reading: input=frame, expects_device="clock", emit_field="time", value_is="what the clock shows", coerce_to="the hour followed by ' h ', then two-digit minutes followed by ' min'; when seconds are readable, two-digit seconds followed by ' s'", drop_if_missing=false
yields 1 h 18 min 41 s
